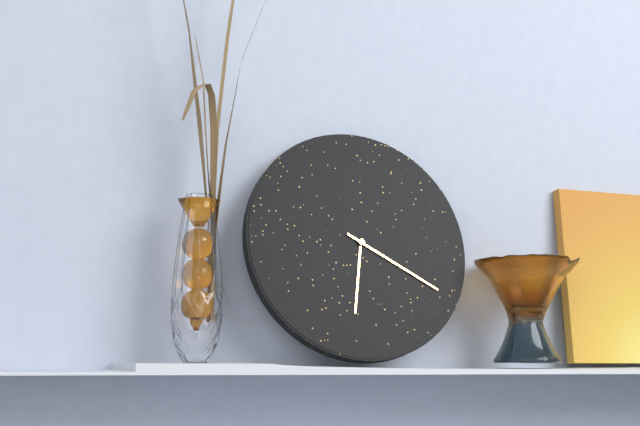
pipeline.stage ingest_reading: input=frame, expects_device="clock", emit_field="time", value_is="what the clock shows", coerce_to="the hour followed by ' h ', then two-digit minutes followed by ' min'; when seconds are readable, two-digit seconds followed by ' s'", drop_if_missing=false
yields 6 h 20 min
